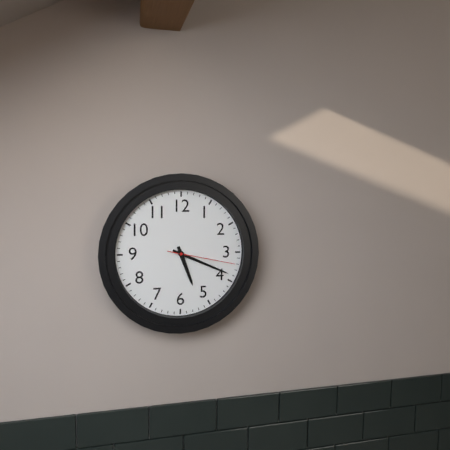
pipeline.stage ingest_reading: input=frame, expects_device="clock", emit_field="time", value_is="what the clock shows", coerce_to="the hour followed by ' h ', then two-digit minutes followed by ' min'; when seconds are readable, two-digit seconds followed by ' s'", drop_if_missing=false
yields 5 h 19 min 17 s
